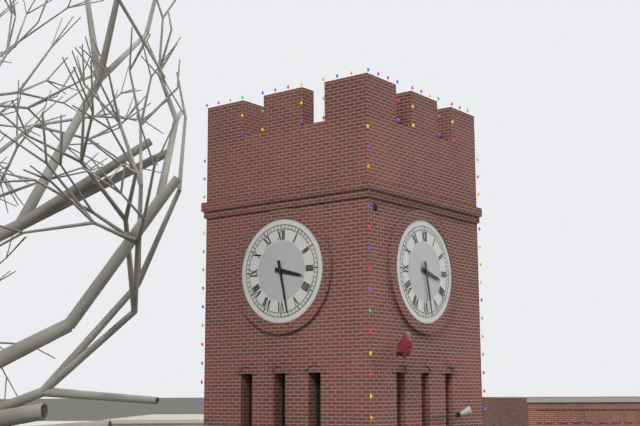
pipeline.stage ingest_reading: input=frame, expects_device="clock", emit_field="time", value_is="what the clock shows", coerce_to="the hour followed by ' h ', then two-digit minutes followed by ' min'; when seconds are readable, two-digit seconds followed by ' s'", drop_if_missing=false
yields 3 h 28 min
